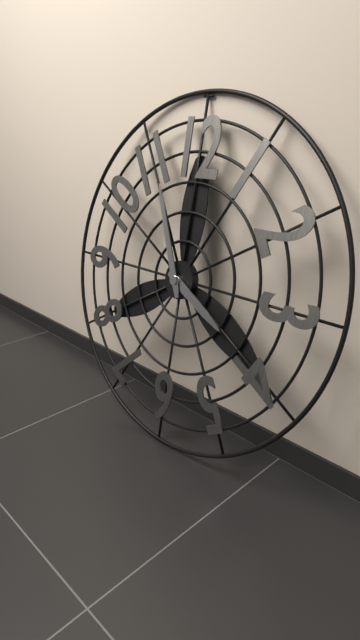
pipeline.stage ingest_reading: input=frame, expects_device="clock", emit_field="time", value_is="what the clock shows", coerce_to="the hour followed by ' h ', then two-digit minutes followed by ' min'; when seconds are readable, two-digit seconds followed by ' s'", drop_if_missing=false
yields 3 h 56 min
